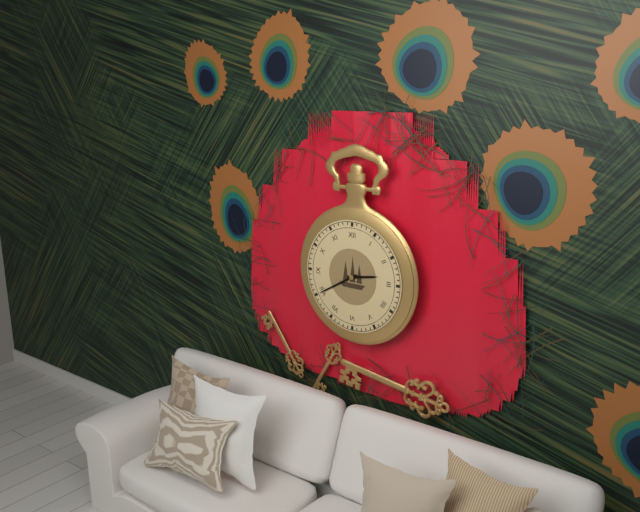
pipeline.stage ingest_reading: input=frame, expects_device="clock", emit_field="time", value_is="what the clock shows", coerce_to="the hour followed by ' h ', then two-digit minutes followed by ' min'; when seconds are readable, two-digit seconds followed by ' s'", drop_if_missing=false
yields 2 h 40 min
